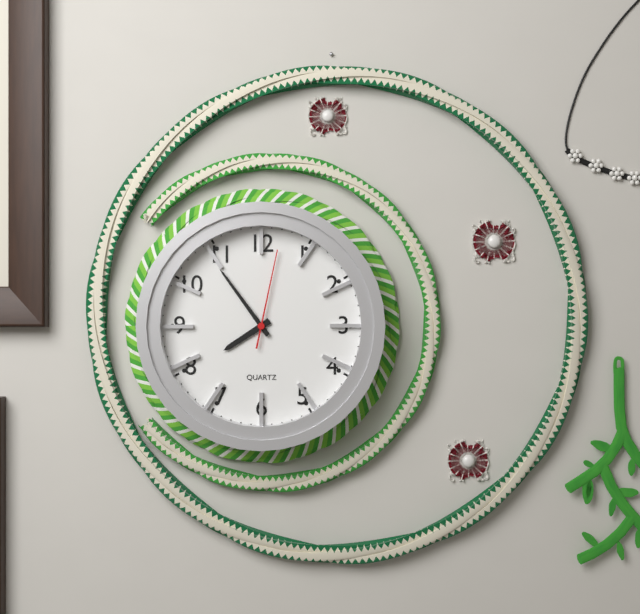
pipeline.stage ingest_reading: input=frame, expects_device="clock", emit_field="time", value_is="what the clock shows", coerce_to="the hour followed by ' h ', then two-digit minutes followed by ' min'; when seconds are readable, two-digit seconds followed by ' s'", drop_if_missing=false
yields 7 h 54 min 02 s
